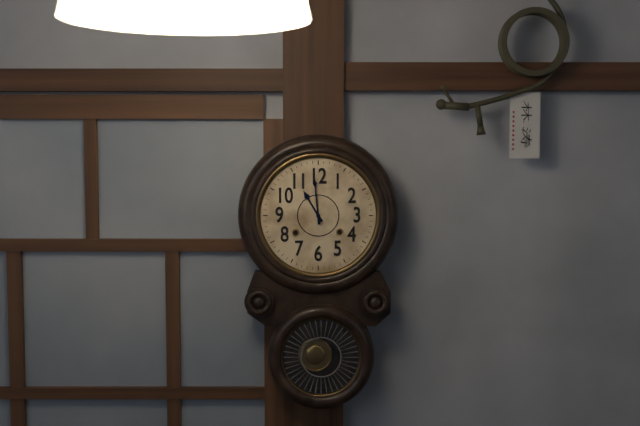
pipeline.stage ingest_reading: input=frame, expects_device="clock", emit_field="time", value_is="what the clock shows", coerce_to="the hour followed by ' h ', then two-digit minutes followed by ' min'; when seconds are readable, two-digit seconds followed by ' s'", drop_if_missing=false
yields 10 h 59 min
